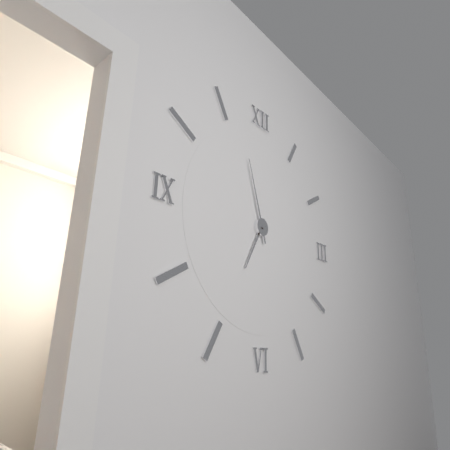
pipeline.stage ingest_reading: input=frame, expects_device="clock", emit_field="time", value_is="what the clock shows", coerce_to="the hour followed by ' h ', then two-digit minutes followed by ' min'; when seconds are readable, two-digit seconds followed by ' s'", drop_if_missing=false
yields 6 h 57 min
